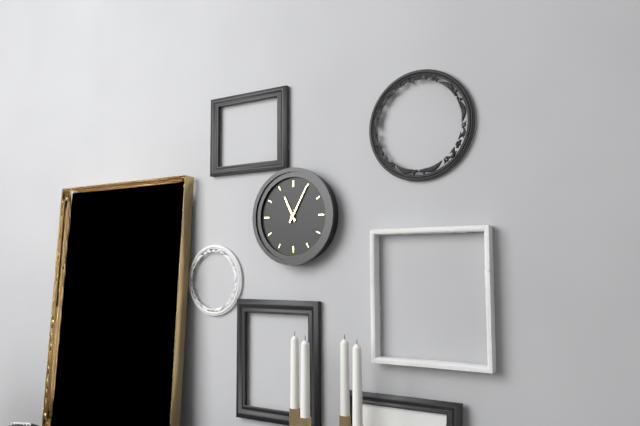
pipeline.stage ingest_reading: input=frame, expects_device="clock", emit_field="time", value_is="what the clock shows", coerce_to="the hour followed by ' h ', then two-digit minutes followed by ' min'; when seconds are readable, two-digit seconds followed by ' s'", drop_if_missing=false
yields 11 h 05 min
